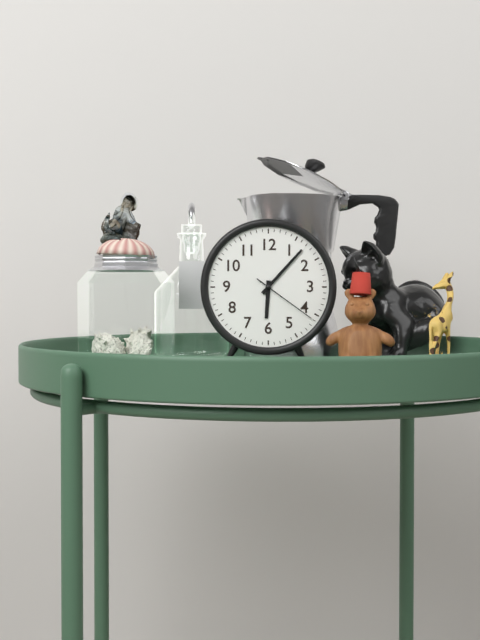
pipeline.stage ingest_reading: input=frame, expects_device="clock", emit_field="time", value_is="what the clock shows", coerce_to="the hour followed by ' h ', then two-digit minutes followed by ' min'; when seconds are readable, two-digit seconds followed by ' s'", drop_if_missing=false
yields 6 h 07 min 21 s
